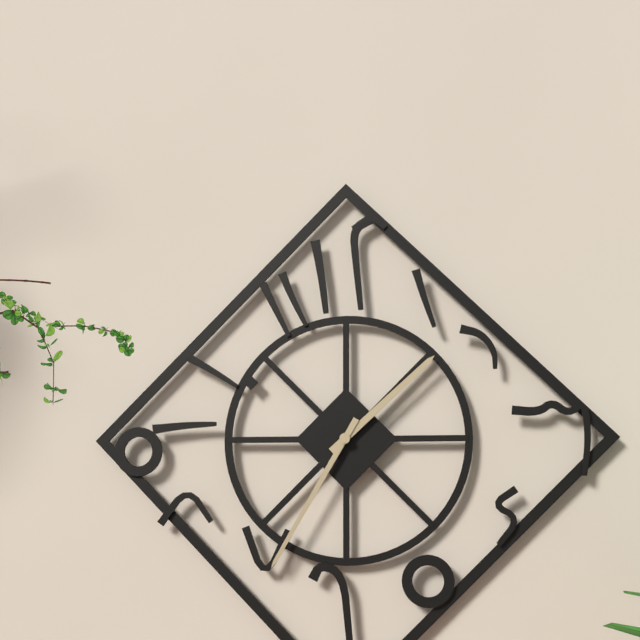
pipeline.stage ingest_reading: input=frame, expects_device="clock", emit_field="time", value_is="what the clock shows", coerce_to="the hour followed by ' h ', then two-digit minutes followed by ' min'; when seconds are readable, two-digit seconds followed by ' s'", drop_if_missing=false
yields 1 h 35 min
